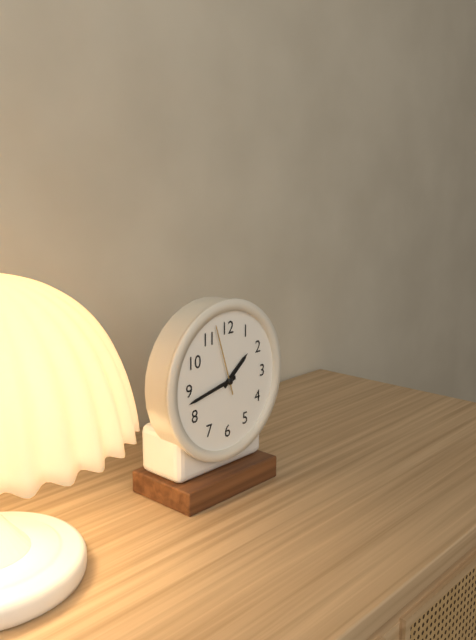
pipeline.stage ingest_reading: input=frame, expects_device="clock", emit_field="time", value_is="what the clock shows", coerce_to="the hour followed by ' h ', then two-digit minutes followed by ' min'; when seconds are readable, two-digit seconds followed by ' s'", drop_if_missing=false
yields 1 h 43 min 57 s
